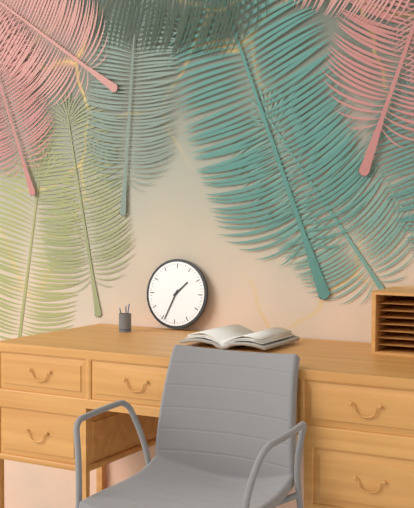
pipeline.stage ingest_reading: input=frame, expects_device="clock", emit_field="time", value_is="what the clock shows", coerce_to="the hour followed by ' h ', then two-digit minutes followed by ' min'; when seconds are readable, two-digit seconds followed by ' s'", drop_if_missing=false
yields 1 h 34 min
